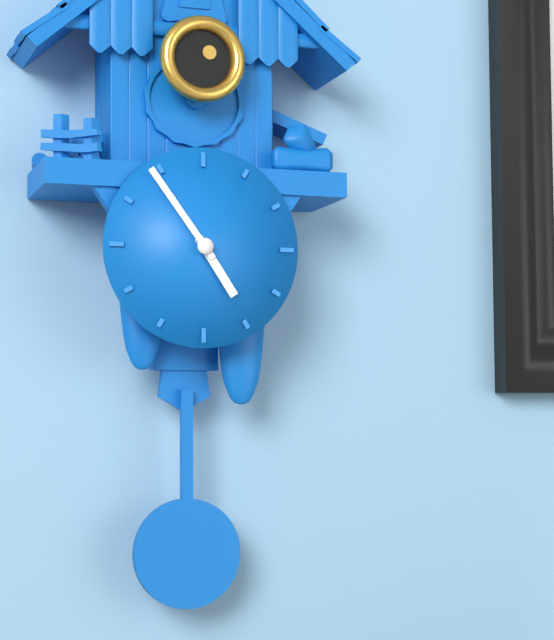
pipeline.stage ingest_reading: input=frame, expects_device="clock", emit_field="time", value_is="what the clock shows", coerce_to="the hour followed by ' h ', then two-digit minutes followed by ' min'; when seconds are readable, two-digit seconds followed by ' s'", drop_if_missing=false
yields 4 h 54 min
